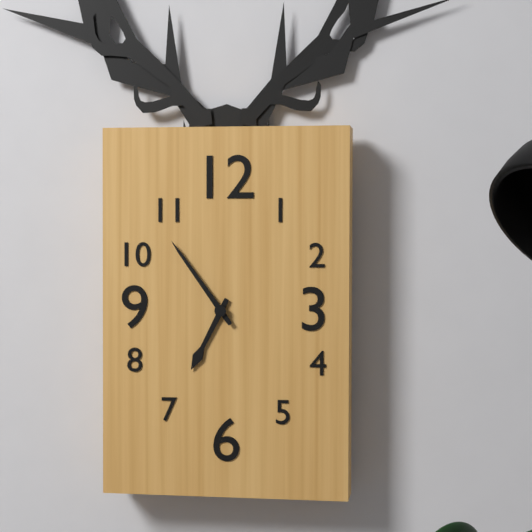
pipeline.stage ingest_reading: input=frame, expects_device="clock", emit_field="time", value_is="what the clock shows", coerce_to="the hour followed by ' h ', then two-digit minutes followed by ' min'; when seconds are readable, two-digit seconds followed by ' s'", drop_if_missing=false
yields 6 h 54 min
